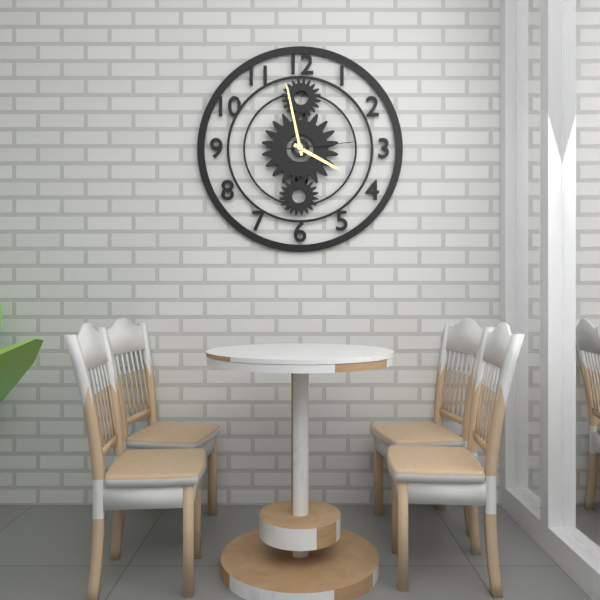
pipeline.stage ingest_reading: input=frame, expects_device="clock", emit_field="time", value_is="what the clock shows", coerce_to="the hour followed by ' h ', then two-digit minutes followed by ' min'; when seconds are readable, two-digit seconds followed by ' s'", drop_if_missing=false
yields 3 h 58 min 14 s
